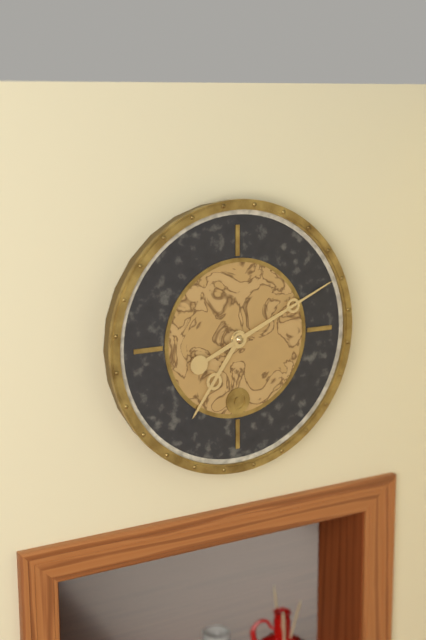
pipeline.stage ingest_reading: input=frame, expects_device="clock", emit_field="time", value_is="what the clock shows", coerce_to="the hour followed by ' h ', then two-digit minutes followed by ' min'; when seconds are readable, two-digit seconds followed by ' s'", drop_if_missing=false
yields 7 h 11 min
